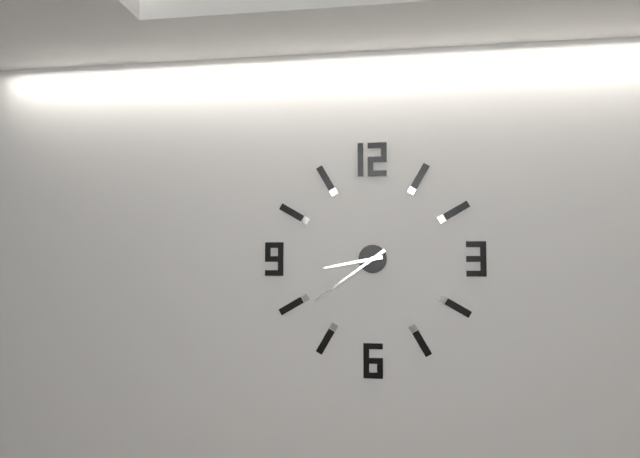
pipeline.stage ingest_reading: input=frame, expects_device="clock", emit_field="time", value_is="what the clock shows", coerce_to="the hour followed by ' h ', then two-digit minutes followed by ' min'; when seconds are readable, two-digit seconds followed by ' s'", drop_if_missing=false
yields 8 h 39 min
